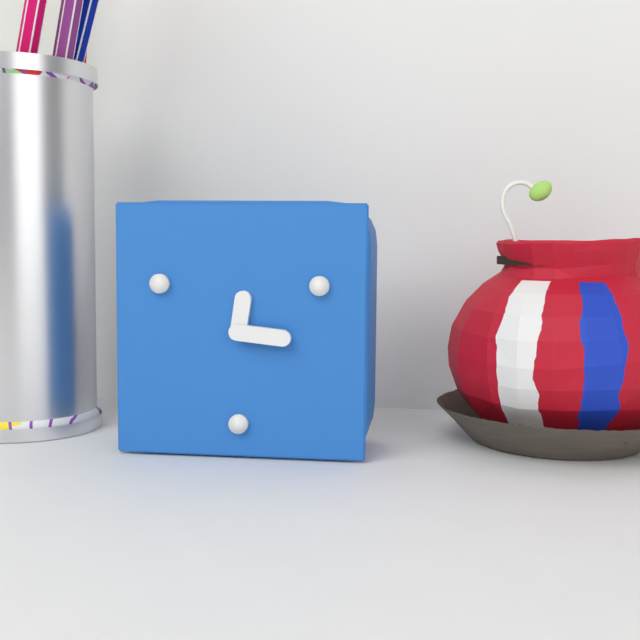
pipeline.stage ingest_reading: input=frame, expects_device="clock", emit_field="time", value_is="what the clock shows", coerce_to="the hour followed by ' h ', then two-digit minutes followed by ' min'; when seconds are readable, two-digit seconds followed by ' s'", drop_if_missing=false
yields 12 h 16 min
